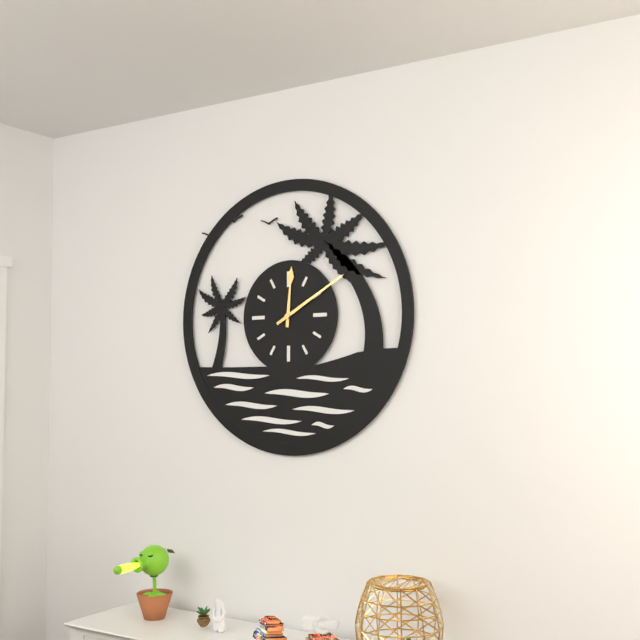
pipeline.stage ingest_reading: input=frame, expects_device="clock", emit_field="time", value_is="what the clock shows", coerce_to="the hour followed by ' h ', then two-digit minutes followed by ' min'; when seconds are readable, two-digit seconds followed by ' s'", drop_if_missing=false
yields 12 h 10 min
